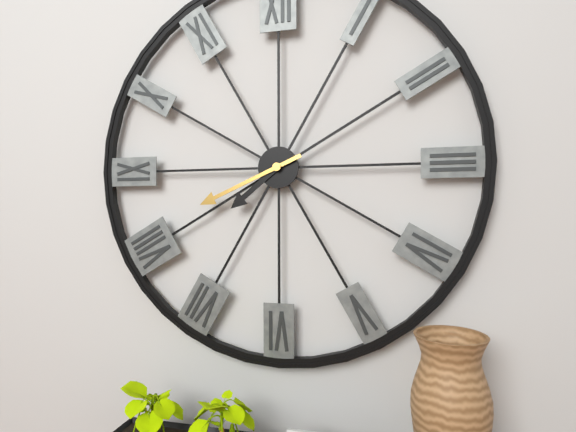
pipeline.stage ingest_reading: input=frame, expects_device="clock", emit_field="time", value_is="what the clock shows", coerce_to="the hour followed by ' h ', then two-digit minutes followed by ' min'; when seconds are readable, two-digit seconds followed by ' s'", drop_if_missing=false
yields 7 h 41 min
